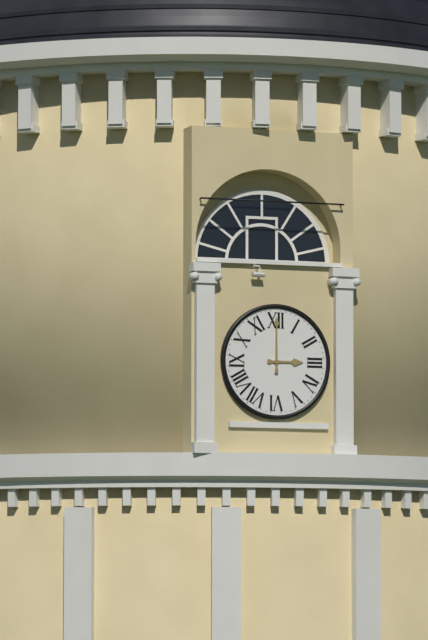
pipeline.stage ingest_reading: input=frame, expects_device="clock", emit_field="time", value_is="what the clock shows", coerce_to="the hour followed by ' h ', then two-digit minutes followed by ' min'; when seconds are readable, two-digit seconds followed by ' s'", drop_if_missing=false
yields 3 h 00 min
